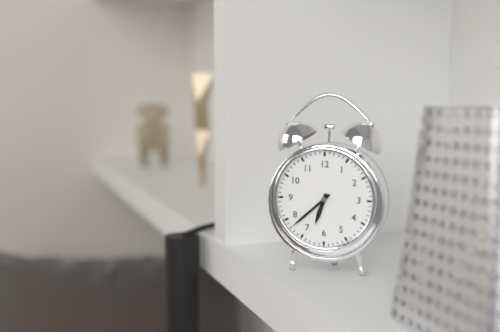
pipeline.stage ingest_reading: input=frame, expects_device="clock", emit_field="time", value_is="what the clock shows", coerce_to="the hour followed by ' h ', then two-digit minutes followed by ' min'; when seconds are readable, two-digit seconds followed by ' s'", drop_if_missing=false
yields 6 h 38 min
